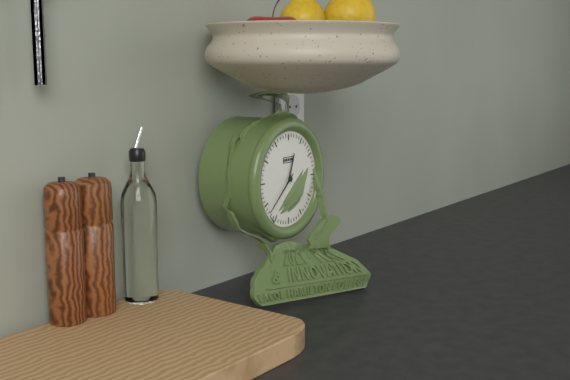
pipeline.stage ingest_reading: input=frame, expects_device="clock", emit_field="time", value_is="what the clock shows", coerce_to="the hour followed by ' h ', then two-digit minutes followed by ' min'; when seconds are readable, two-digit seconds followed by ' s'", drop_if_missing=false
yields 12 h 38 min
